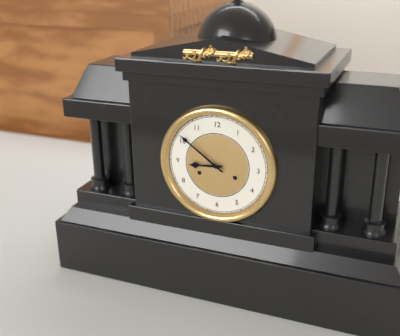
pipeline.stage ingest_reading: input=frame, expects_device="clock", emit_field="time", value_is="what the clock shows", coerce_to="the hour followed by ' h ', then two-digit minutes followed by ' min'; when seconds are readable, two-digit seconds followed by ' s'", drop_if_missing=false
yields 8 h 51 min
